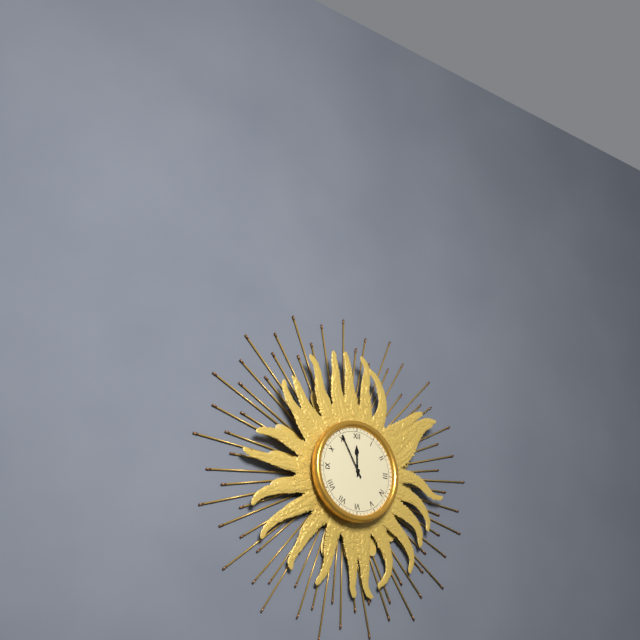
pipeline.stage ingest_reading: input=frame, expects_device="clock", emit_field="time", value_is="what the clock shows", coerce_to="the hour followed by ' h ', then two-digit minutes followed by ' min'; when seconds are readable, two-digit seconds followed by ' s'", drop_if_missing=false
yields 11 h 55 min
